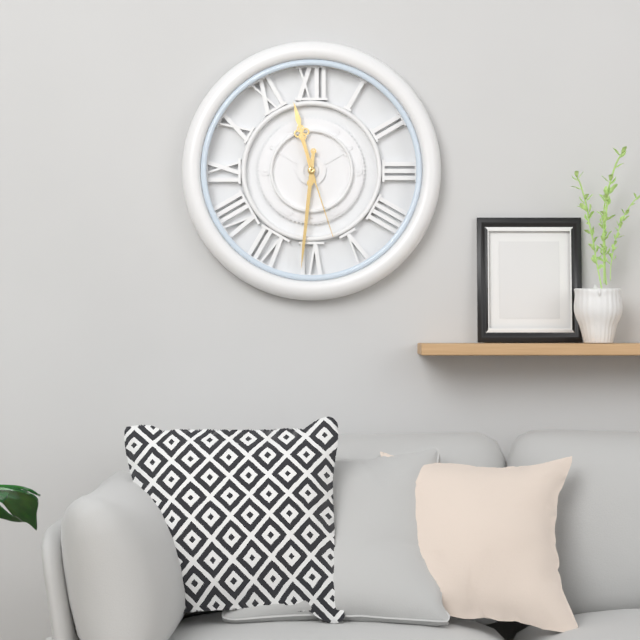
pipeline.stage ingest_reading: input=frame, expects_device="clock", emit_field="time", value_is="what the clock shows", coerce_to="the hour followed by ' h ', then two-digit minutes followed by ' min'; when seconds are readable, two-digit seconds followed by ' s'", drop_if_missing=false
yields 11 h 31 min 27 s
